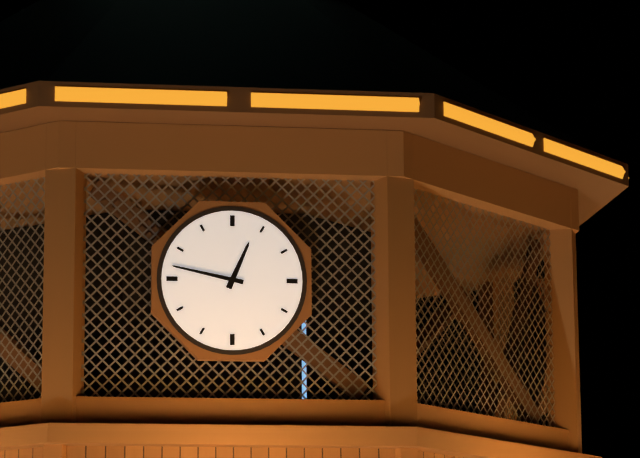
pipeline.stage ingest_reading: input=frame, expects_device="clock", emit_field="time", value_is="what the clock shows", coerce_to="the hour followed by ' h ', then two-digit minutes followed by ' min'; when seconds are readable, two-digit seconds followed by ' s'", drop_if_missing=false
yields 12 h 47 min
